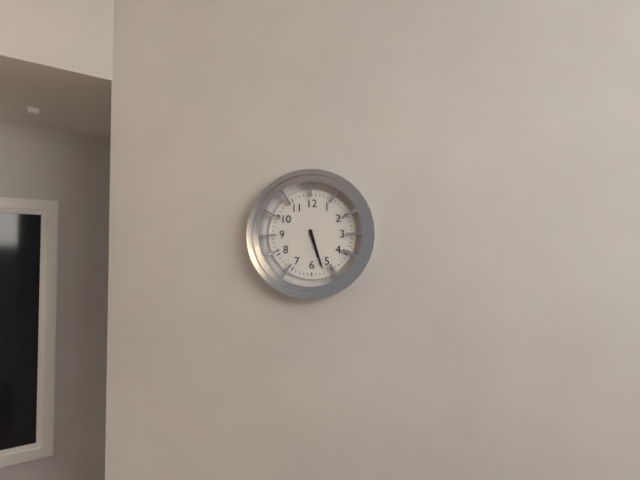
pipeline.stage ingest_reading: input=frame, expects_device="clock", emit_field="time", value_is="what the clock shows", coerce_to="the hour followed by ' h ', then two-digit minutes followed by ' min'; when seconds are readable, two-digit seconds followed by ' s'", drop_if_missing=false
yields 5 h 27 min
